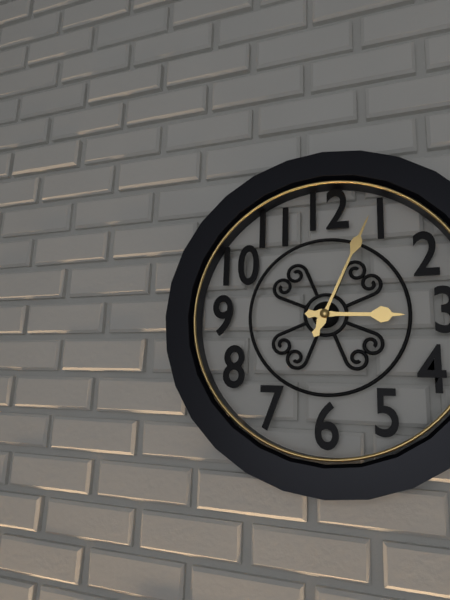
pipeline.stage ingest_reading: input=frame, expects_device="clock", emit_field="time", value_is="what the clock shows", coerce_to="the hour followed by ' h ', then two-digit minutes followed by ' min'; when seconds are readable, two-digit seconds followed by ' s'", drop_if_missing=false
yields 3 h 04 min
